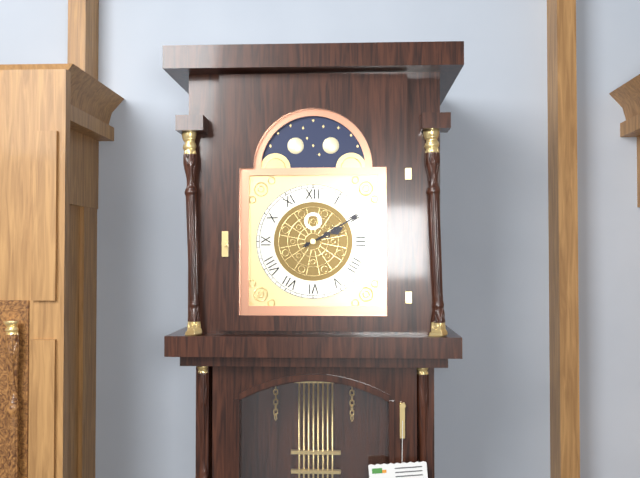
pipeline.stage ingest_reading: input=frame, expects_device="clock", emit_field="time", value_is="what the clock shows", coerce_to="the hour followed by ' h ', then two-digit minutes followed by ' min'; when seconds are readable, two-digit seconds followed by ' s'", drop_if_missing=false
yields 2 h 10 min
